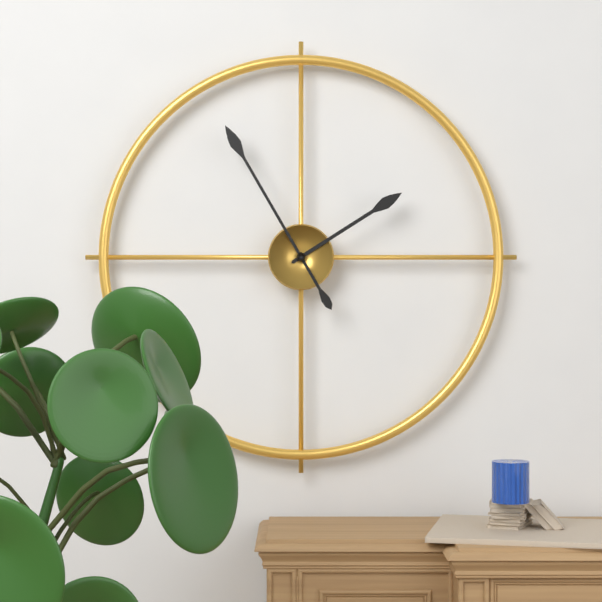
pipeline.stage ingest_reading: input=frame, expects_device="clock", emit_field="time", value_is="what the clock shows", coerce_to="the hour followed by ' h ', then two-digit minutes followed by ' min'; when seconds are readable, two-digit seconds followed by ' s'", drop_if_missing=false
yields 1 h 55 min
